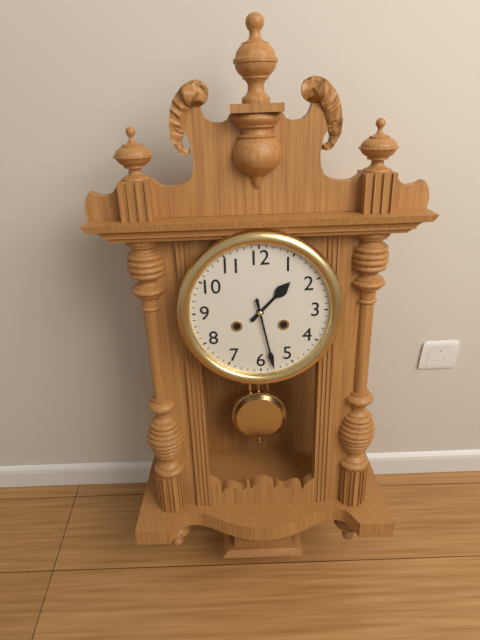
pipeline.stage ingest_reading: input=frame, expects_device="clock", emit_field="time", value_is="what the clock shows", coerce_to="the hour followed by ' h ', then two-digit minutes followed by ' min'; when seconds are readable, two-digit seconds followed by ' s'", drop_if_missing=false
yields 1 h 28 min
